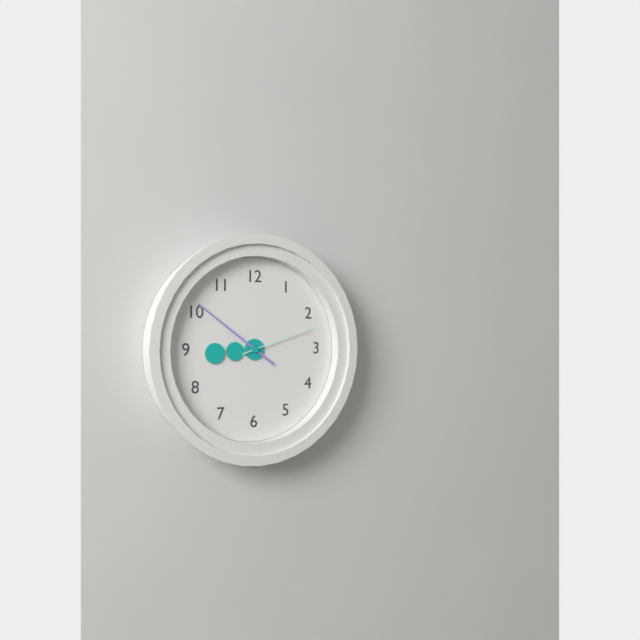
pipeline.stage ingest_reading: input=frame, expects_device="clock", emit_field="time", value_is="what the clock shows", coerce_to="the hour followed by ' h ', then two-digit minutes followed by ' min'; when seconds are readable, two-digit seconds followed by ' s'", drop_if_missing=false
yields 8 h 51 min 12 s
